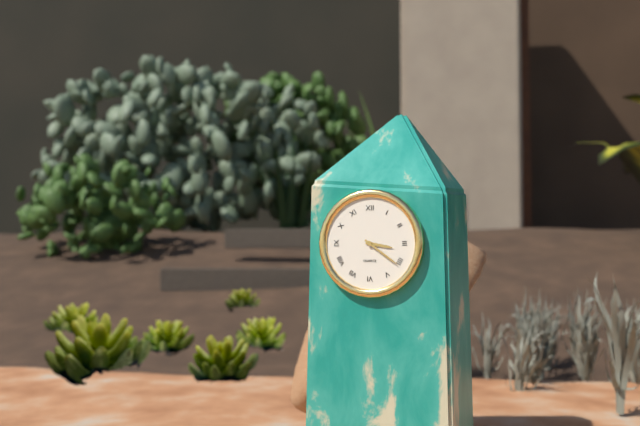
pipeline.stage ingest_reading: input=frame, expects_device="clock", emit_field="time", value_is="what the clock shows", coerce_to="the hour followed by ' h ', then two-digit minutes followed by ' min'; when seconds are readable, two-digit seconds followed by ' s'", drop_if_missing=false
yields 3 h 21 min
